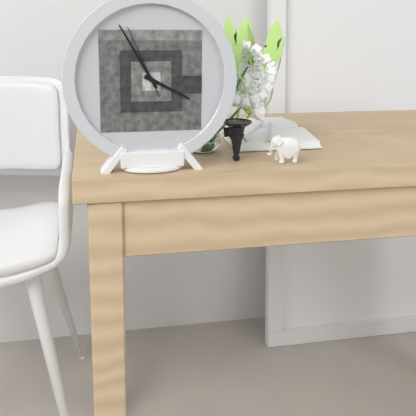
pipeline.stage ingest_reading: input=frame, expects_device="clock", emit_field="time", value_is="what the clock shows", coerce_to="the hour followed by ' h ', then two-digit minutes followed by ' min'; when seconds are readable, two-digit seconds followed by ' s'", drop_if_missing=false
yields 3 h 55 min 56 s
